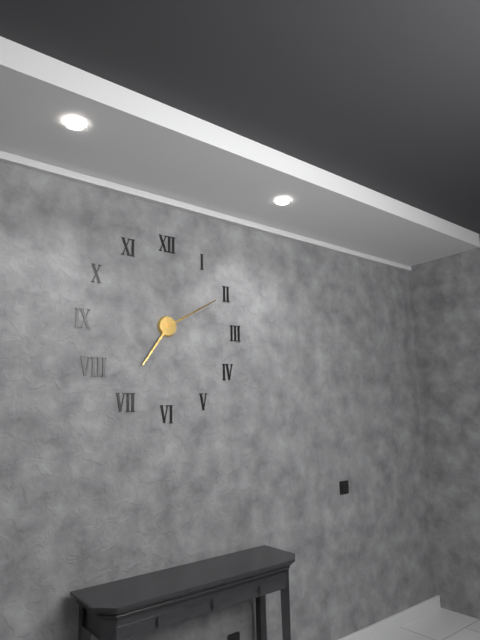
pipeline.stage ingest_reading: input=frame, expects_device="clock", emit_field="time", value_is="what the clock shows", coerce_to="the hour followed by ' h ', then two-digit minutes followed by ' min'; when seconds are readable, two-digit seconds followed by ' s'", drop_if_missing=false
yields 7 h 10 min
